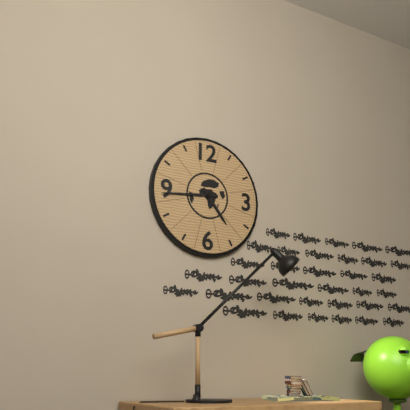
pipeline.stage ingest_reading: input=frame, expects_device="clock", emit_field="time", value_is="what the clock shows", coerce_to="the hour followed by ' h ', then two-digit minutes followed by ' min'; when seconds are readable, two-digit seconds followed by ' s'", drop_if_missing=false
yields 4 h 44 min
